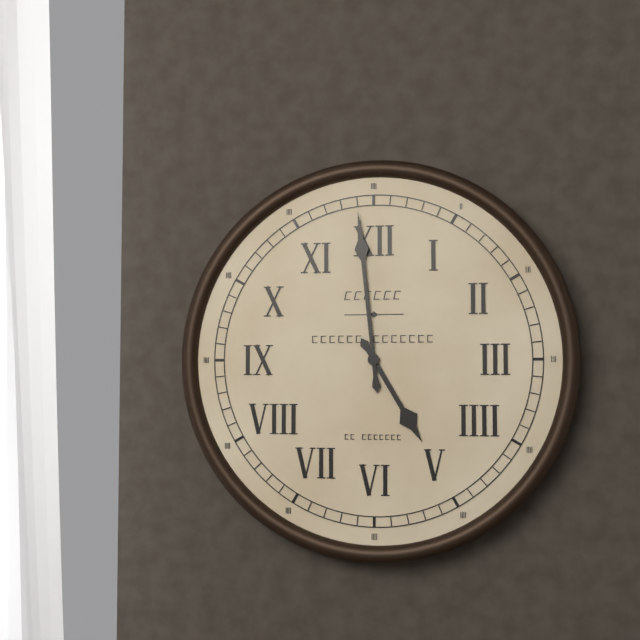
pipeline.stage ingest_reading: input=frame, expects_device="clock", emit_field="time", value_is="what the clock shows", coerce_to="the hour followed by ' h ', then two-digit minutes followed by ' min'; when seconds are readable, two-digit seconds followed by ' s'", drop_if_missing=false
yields 4 h 59 min
